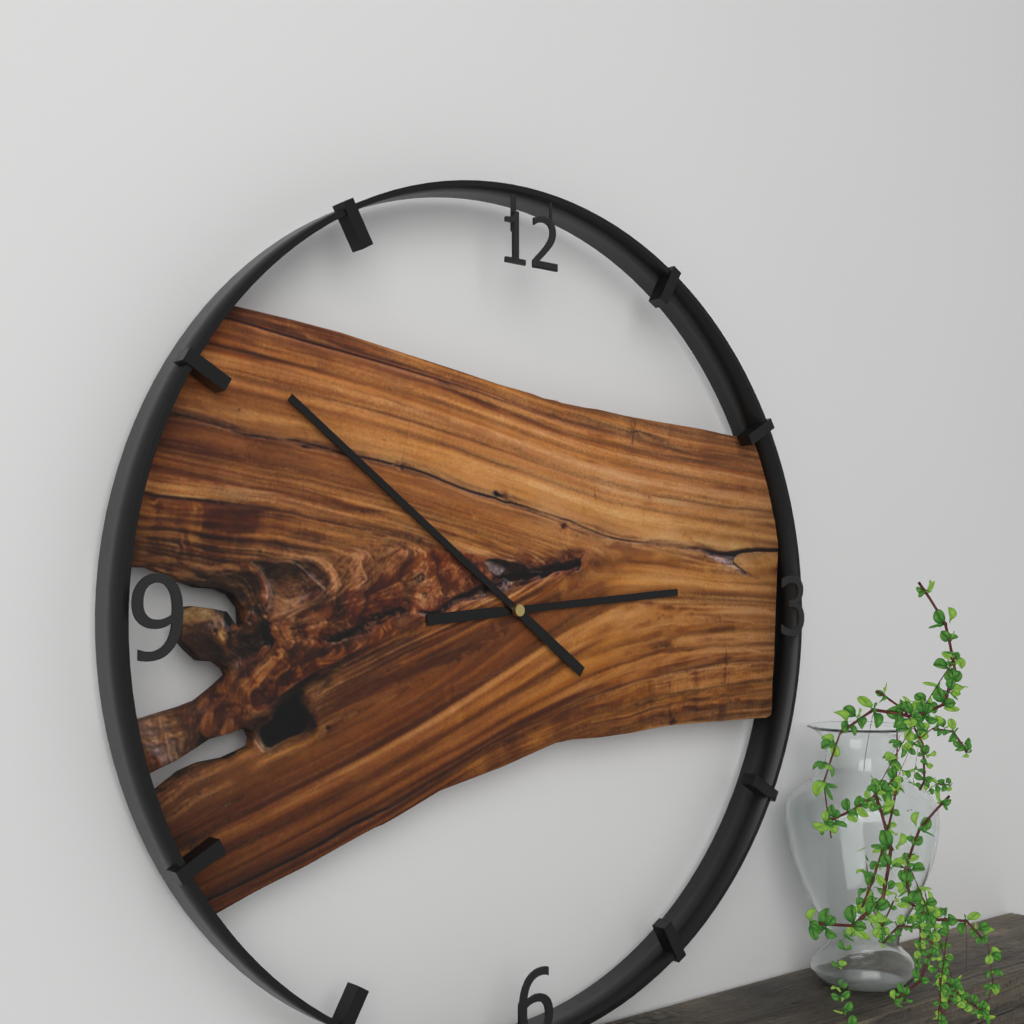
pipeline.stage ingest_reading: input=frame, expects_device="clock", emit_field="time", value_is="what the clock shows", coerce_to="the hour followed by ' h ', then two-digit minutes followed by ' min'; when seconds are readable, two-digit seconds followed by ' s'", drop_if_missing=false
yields 2 h 51 min
